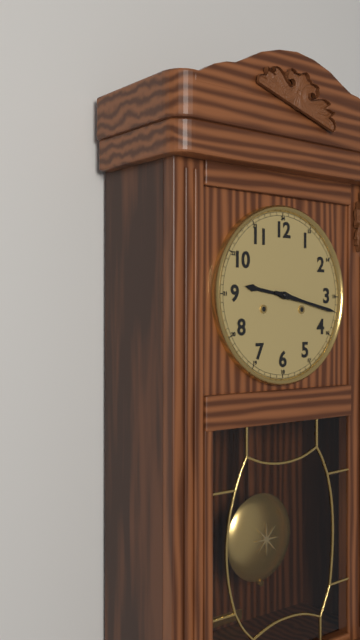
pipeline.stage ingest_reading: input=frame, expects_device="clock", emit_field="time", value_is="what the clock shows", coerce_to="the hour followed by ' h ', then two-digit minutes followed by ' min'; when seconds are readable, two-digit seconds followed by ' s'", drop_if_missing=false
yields 9 h 17 min
